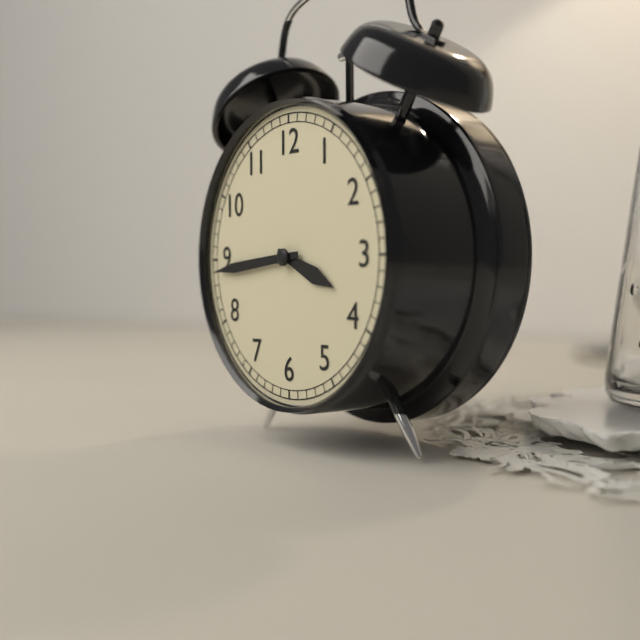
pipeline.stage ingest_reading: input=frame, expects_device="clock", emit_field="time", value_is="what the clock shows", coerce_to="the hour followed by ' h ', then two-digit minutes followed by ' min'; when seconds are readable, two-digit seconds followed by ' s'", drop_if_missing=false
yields 3 h 44 min
